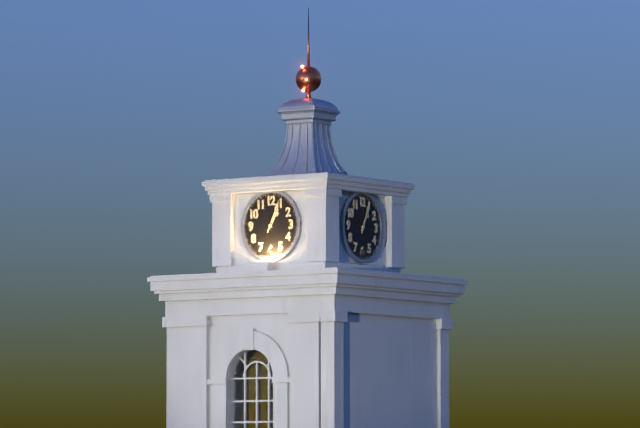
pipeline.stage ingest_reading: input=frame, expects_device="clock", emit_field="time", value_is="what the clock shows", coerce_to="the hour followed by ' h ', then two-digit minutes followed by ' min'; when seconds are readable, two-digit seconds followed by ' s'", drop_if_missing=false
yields 1 h 04 min
